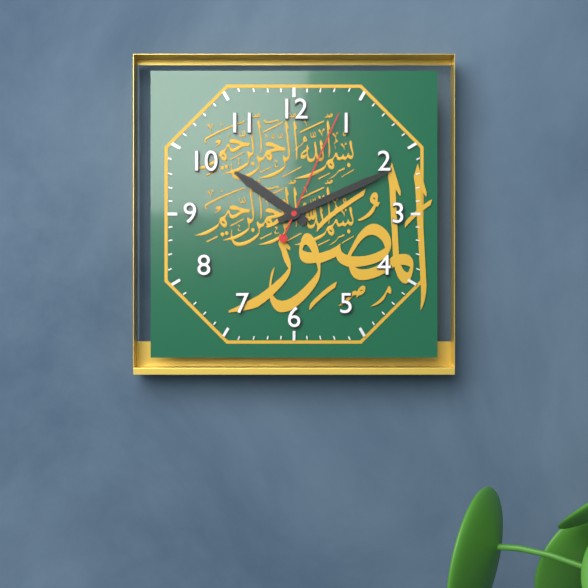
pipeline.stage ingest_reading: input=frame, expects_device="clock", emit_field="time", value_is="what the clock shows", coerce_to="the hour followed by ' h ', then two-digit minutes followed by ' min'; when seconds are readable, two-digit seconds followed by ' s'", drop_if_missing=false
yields 10 h 11 min 04 s
